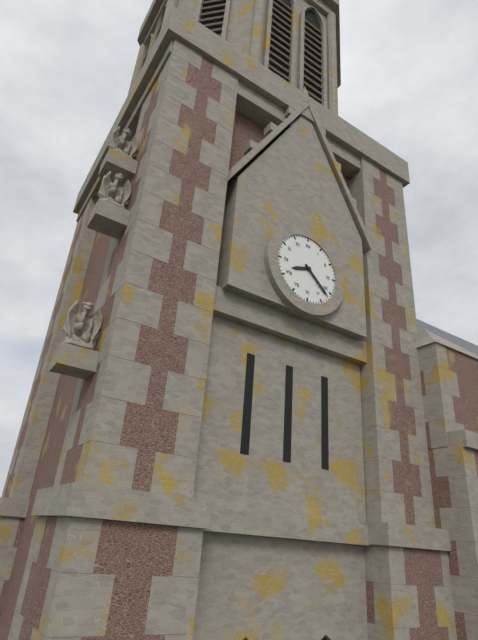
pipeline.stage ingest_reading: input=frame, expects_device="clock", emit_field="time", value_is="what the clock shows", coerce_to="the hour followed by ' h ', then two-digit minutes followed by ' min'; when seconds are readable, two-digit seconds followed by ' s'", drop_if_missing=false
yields 8 h 22 min
